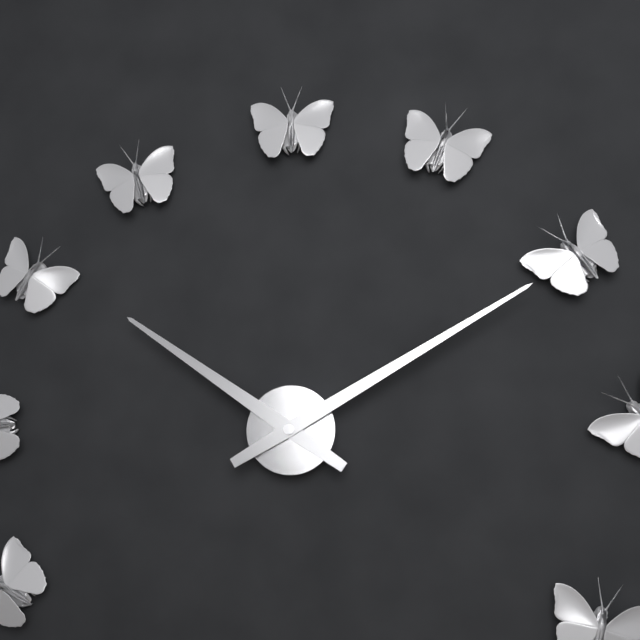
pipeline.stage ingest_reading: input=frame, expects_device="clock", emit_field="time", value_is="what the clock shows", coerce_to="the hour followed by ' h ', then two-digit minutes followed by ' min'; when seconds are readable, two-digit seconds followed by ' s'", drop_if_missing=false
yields 10 h 10 min
